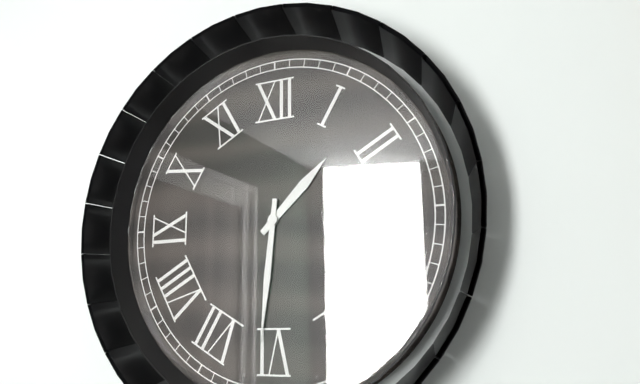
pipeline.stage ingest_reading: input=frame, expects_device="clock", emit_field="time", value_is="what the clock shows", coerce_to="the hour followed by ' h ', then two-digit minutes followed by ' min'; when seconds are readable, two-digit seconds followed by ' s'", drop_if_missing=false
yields 1 h 31 min
